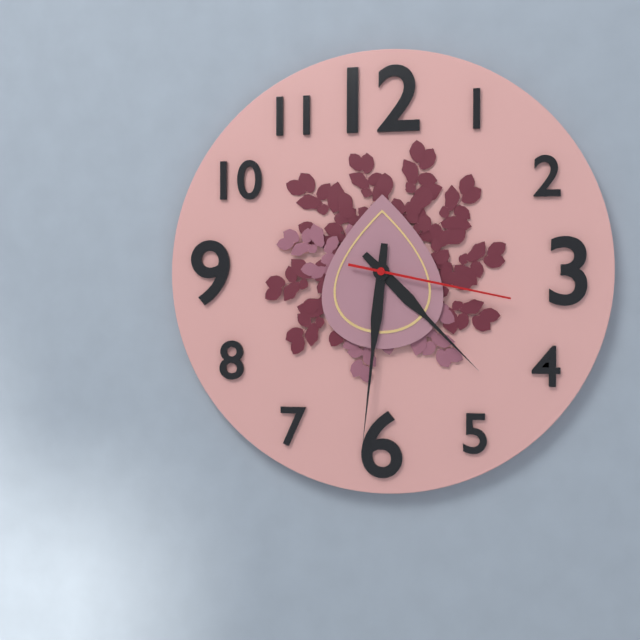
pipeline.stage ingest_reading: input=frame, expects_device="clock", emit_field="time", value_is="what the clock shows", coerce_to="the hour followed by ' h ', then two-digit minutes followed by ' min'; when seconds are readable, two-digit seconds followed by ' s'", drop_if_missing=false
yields 4 h 31 min 17 s
